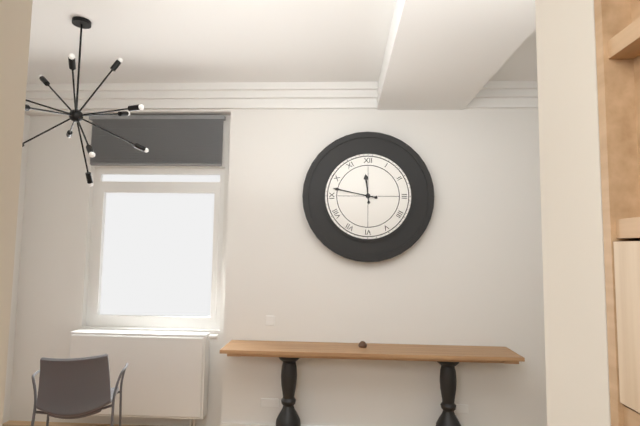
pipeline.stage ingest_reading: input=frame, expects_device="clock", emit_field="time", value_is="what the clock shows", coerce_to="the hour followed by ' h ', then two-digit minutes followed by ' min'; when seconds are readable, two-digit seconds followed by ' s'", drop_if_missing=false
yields 11 h 47 min
